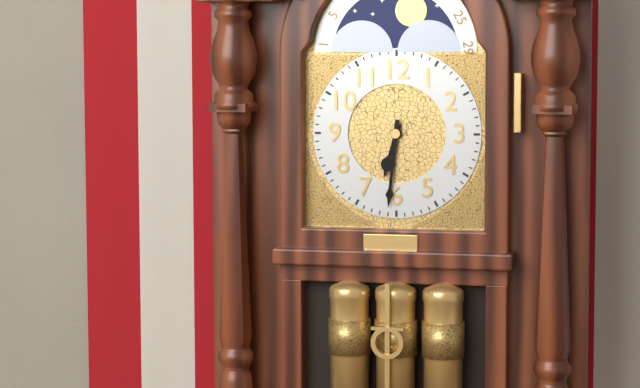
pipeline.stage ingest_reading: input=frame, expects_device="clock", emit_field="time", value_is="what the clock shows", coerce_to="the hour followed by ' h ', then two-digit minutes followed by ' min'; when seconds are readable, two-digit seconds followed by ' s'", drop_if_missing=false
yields 6 h 31 min
